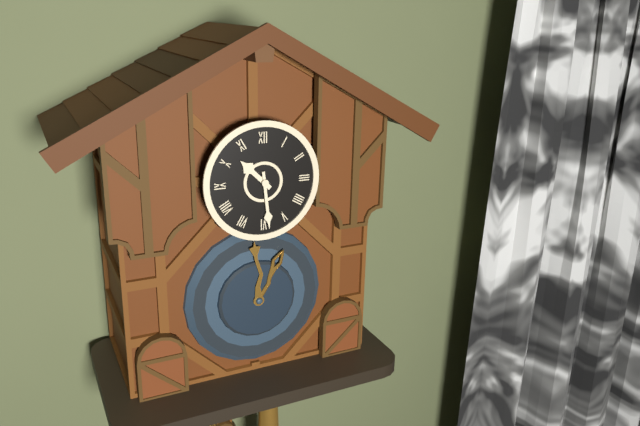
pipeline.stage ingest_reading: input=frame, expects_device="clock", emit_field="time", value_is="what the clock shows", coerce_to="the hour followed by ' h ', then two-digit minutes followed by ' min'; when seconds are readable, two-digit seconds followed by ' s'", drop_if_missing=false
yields 10 h 29 min
